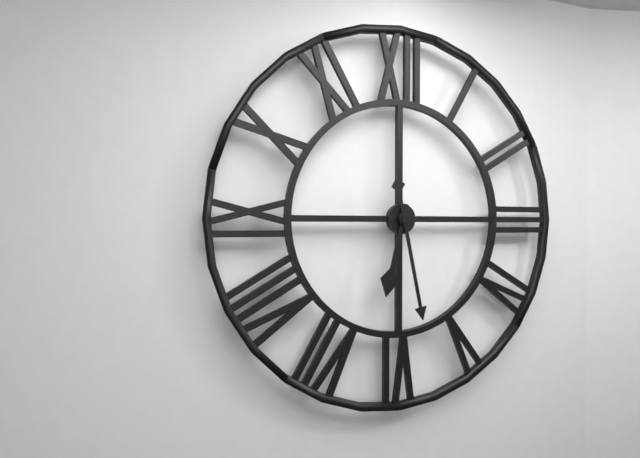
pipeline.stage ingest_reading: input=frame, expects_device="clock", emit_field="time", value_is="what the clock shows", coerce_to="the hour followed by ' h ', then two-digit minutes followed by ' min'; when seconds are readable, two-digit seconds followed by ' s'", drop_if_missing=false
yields 6 h 28 min
